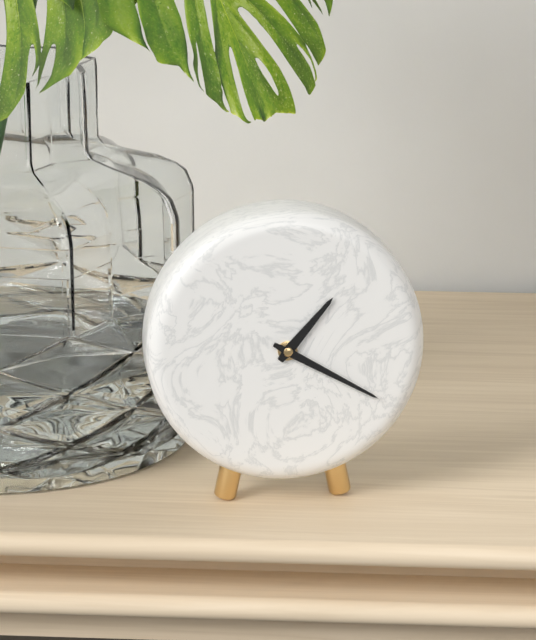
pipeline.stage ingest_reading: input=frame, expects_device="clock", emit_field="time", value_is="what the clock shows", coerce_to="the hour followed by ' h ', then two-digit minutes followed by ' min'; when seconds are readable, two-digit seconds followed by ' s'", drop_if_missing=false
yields 1 h 20 min
